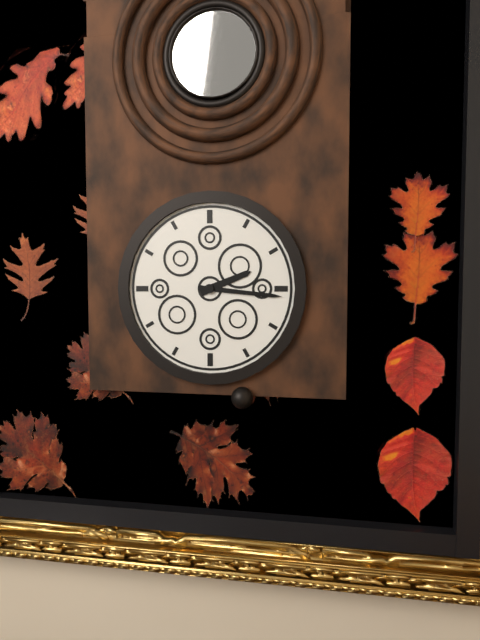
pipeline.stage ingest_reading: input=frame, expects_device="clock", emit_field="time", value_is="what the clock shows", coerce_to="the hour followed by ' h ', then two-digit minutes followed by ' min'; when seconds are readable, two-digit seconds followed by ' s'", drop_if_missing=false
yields 2 h 16 min
